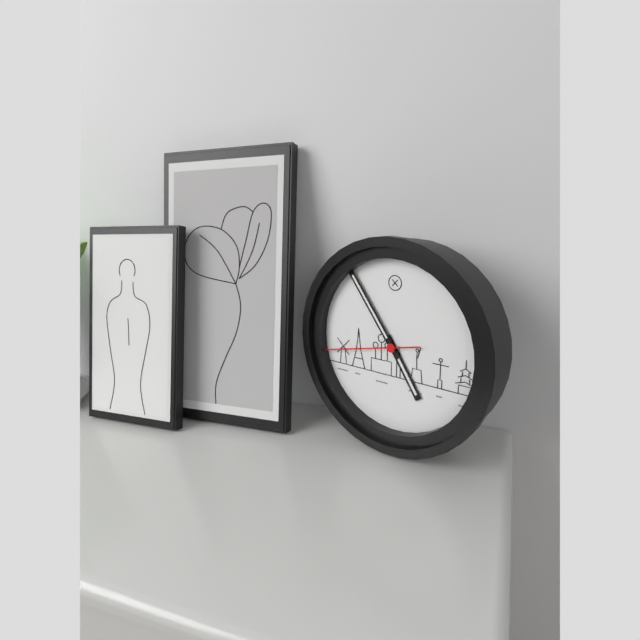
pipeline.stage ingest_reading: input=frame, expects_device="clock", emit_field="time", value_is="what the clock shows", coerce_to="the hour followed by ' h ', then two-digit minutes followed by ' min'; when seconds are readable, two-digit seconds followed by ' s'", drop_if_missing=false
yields 4 h 54 min 43 s
